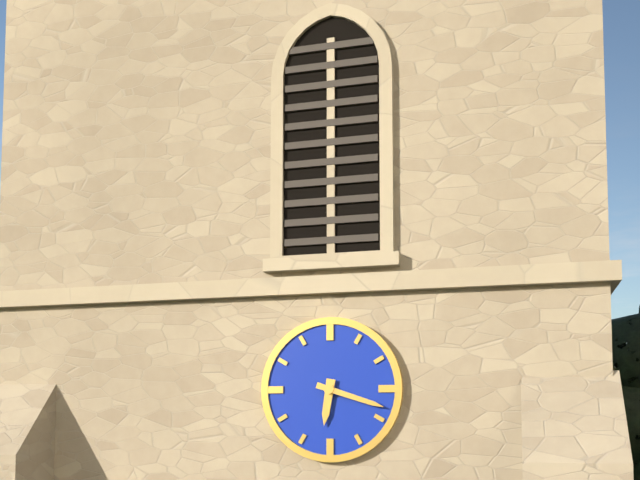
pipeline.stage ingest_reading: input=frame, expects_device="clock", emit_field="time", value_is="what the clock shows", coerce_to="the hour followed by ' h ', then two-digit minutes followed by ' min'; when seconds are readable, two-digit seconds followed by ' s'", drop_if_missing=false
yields 6 h 18 min
